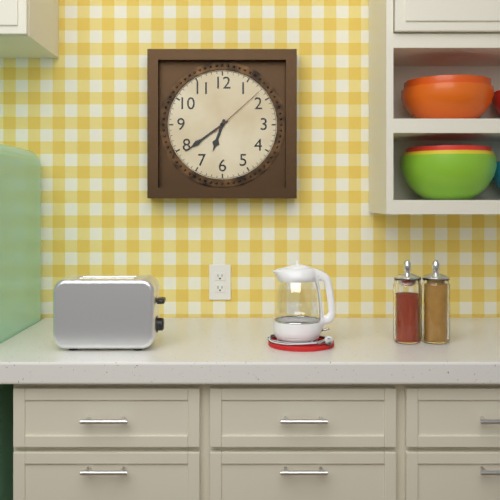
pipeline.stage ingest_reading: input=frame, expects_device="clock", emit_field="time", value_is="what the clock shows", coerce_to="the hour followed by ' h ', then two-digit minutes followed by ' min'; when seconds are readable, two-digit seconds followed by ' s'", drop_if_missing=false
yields 6 h 39 min 08 s
